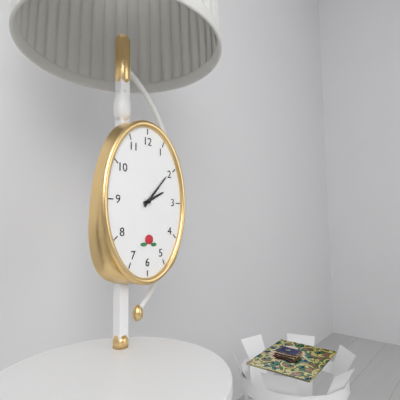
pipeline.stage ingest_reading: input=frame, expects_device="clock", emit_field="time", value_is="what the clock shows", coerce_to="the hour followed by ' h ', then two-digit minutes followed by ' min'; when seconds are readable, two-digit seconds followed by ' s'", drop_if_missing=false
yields 2 h 07 min
